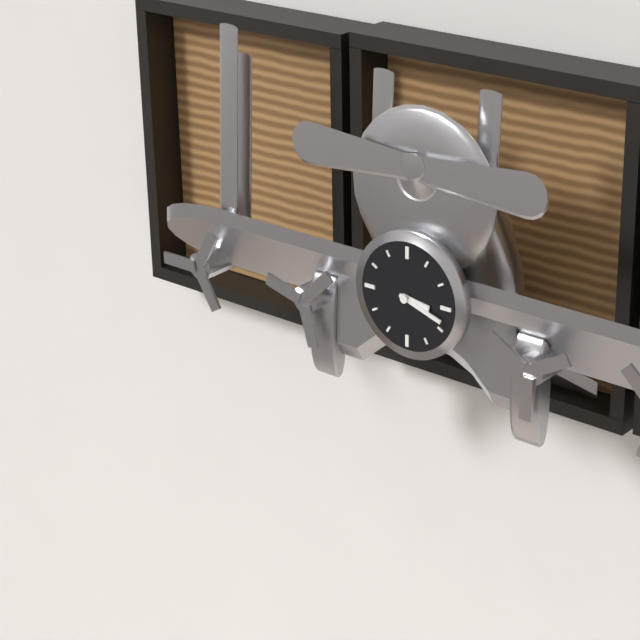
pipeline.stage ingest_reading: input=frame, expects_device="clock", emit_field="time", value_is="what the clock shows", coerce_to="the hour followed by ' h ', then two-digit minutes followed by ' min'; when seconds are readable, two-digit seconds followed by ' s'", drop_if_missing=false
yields 3 h 18 min
